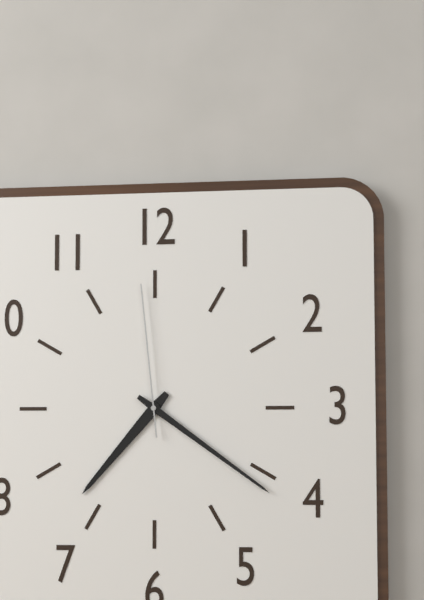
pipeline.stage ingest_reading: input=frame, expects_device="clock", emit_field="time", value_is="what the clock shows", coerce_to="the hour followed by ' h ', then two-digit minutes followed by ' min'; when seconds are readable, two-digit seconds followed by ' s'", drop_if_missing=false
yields 7 h 21 min 59 s
